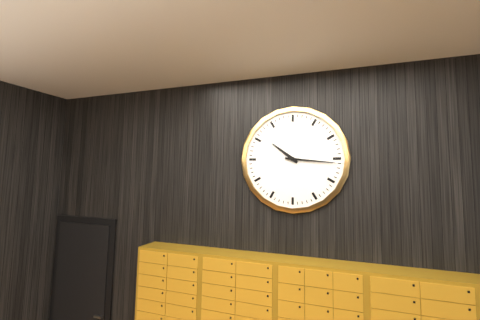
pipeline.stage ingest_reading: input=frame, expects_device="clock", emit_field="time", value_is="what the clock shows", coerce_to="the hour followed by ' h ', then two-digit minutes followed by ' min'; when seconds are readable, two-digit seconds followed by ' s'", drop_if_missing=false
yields 10 h 16 min
